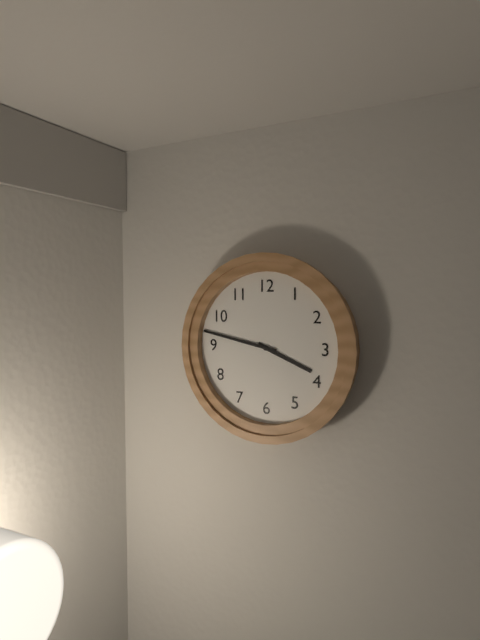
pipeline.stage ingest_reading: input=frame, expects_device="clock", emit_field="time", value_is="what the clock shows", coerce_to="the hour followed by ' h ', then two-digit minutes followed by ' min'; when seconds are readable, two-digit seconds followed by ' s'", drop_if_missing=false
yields 3 h 47 min
